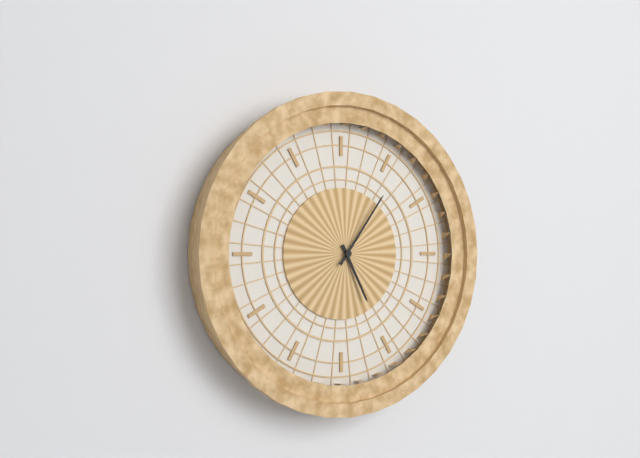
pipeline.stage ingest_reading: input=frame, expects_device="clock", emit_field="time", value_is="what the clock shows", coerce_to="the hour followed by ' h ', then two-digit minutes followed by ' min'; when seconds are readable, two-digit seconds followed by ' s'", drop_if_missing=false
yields 5 h 06 min
